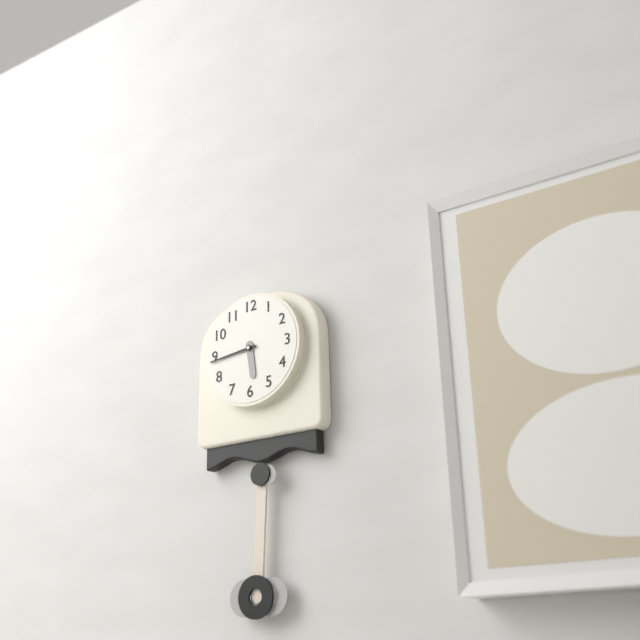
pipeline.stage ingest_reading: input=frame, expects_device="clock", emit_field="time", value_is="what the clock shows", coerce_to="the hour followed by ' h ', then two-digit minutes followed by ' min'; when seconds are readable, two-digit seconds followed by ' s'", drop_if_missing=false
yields 5 h 44 min
